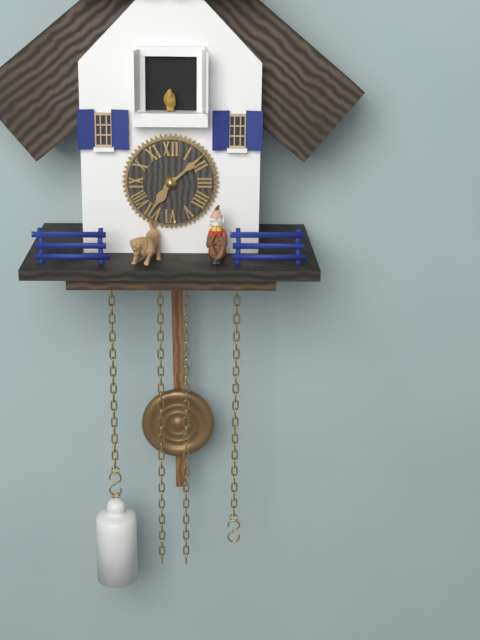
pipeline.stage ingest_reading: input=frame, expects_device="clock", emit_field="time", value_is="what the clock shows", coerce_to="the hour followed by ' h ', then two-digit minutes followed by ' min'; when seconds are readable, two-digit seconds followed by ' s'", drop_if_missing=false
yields 7 h 08 min
